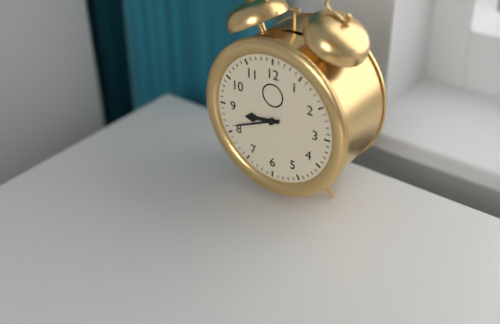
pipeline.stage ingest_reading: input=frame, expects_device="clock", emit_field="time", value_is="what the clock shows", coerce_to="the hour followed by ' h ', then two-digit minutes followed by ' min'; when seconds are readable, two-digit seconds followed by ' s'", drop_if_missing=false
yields 8 h 41 min
